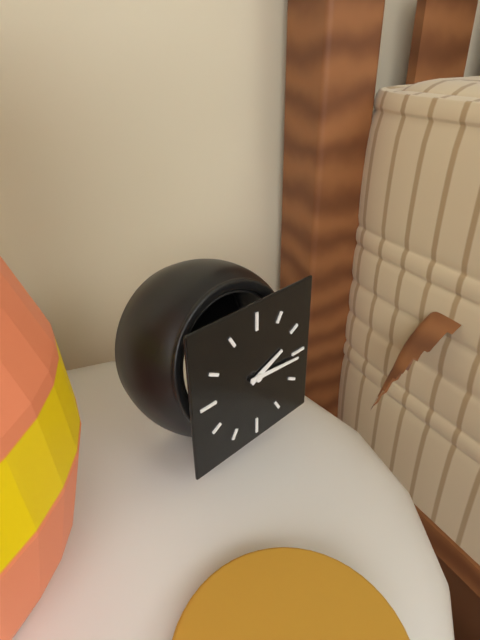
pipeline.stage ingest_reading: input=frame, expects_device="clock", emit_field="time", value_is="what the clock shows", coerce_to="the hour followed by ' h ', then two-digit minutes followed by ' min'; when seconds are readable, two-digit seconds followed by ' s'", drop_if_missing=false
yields 2 h 16 min
